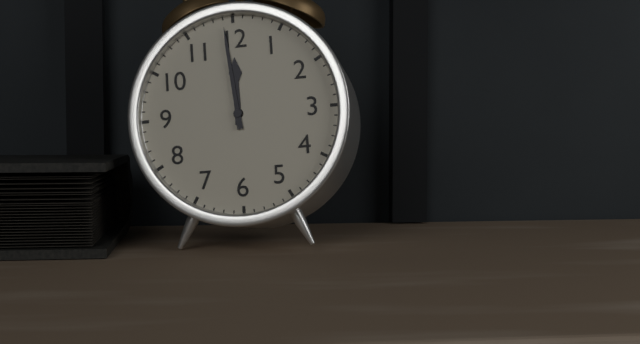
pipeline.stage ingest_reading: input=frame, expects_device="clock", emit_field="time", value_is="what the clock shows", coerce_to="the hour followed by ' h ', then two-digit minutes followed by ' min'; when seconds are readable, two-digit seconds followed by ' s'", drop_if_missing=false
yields 11 h 59 min
